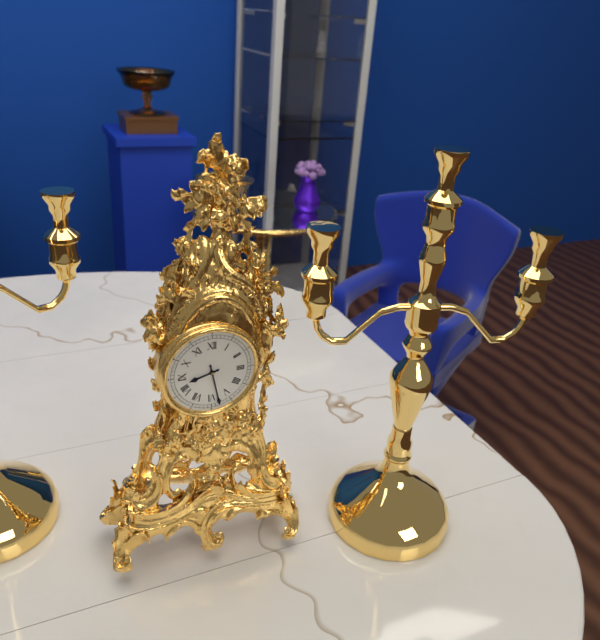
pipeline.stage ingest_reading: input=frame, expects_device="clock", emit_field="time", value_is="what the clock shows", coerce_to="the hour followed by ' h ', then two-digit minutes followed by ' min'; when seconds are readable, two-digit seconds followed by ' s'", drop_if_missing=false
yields 8 h 28 min
